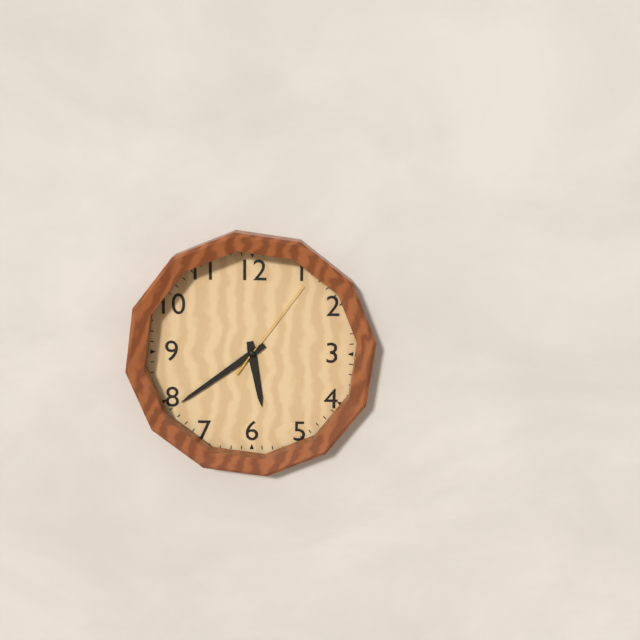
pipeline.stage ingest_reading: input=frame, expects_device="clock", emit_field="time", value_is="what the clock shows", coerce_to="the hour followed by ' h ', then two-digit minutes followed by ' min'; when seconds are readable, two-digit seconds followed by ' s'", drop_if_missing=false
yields 5 h 39 min 06 s
